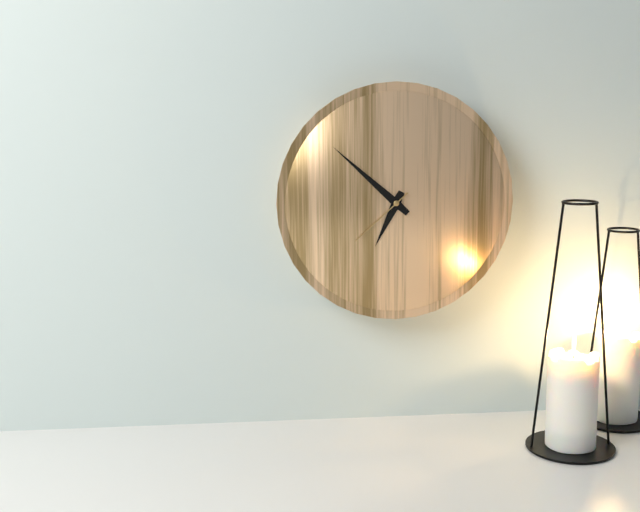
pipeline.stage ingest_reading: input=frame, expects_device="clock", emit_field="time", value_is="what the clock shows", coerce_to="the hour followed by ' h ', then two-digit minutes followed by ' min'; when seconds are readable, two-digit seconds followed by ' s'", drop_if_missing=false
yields 6 h 52 min 38 s
